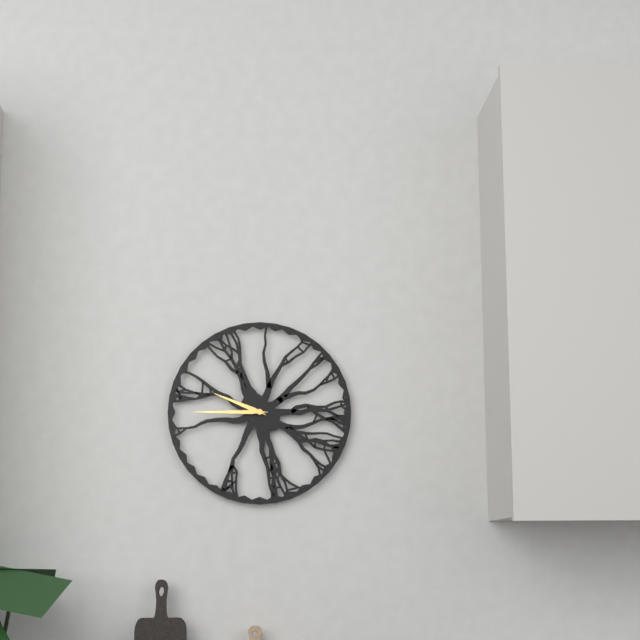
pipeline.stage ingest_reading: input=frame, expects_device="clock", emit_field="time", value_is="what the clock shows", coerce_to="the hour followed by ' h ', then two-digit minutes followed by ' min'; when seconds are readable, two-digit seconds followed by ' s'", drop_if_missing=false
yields 9 h 45 min
